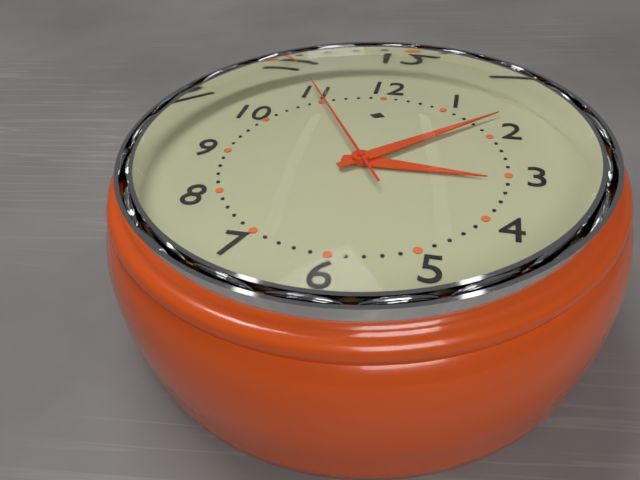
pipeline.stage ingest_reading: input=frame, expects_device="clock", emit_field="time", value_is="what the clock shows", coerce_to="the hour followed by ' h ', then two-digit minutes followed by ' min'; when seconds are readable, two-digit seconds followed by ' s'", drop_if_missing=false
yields 3 h 08 min 55 s
